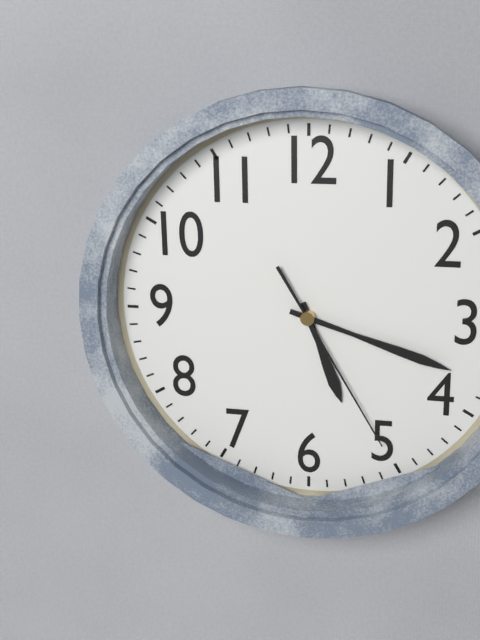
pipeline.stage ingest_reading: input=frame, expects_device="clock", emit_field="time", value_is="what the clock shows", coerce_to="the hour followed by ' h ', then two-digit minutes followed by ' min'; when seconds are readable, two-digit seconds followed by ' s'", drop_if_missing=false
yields 5 h 18 min 25 s
